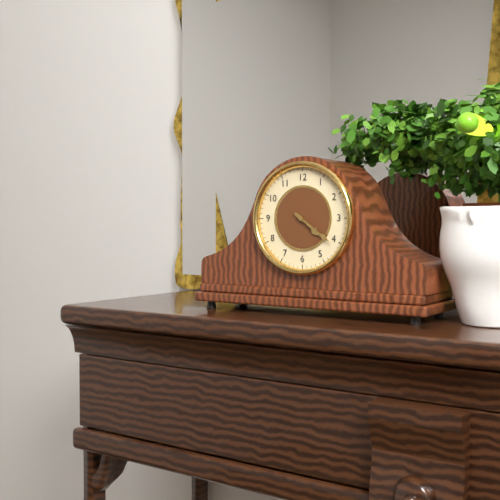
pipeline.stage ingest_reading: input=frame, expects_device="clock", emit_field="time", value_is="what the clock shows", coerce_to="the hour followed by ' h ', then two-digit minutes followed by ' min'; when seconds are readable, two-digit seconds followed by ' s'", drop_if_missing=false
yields 4 h 21 min
